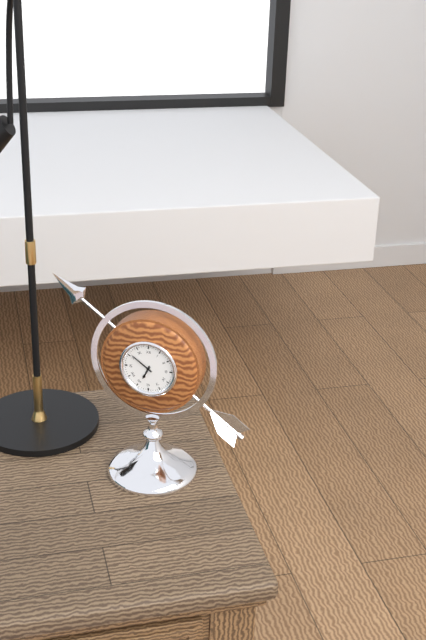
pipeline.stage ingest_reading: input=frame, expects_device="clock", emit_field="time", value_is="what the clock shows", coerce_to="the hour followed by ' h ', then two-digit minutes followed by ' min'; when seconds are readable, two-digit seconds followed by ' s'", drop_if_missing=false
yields 6 h 51 min
